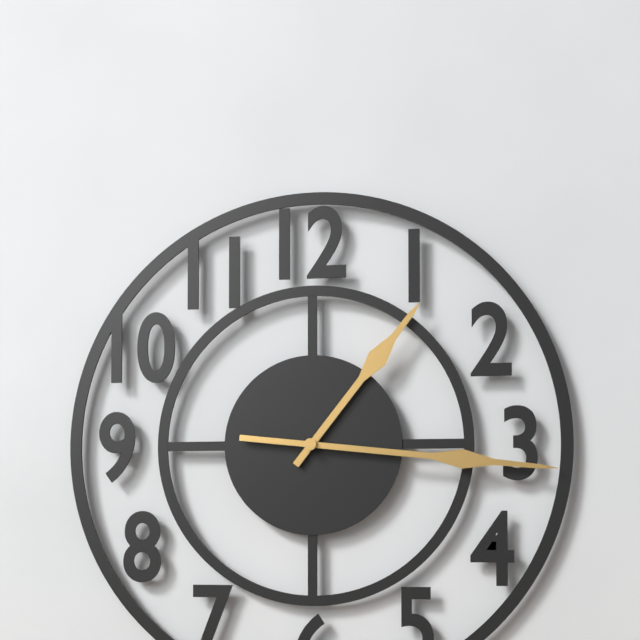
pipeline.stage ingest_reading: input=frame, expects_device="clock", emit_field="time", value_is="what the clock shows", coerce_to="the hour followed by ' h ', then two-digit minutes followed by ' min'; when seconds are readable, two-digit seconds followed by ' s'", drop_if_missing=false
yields 1 h 16 min
